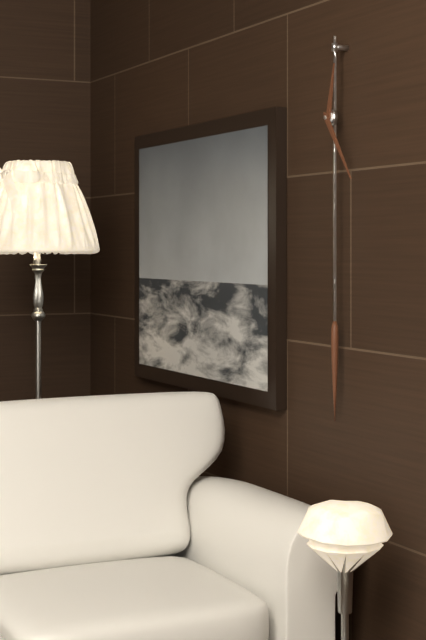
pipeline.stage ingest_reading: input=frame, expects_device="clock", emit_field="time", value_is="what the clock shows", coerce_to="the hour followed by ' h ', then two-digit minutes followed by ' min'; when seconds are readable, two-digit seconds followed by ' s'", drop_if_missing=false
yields 12 h 24 min
